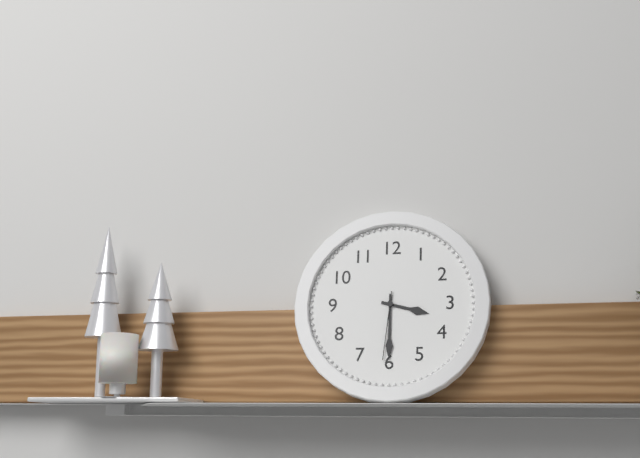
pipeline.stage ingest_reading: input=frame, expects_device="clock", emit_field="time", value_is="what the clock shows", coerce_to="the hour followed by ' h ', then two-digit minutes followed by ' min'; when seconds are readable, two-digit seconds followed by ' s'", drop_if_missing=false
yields 3 h 30 min 31 s
